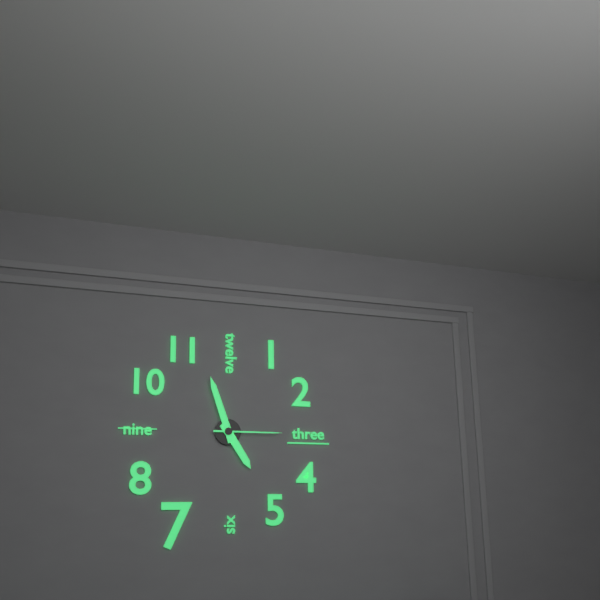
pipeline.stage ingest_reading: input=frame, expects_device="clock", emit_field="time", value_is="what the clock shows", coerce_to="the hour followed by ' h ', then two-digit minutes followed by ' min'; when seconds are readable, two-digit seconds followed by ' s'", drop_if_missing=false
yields 4 h 57 min 15 s
